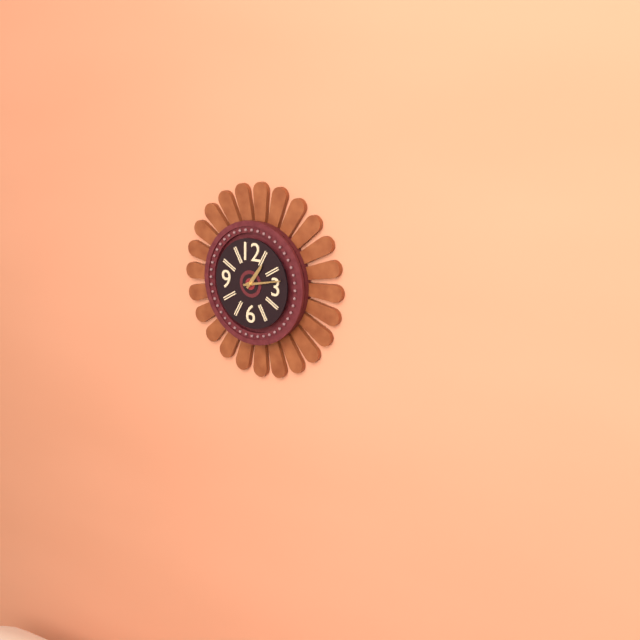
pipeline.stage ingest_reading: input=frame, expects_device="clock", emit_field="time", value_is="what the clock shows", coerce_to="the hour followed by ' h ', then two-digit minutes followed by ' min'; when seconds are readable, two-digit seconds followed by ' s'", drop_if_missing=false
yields 1 h 13 min
